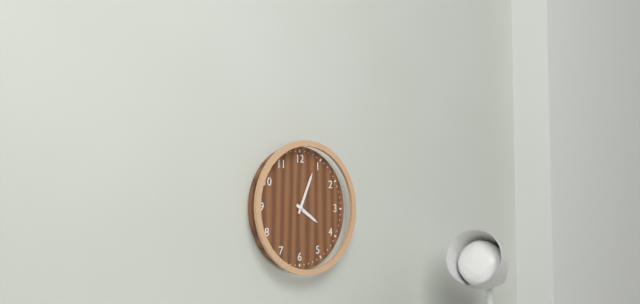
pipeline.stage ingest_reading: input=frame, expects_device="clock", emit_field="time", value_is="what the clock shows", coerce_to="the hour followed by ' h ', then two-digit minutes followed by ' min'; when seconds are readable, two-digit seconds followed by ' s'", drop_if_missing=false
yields 4 h 04 min
